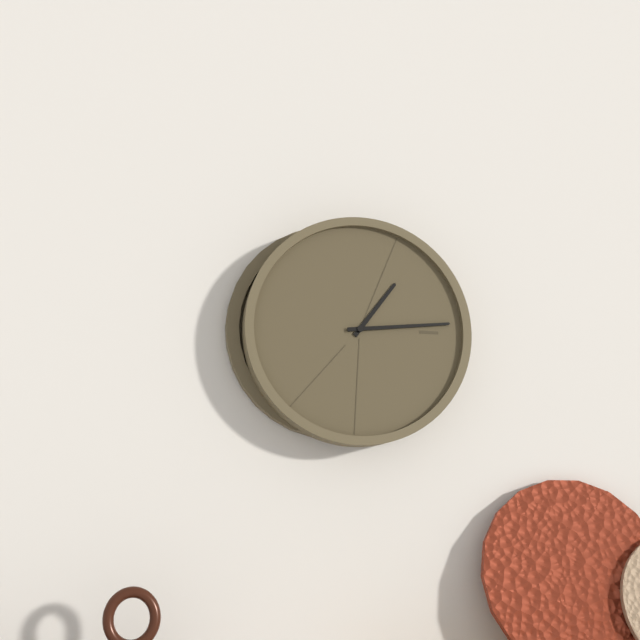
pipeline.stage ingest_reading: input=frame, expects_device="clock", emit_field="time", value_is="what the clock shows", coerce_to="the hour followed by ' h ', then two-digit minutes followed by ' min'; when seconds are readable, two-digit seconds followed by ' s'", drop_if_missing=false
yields 1 h 14 min
